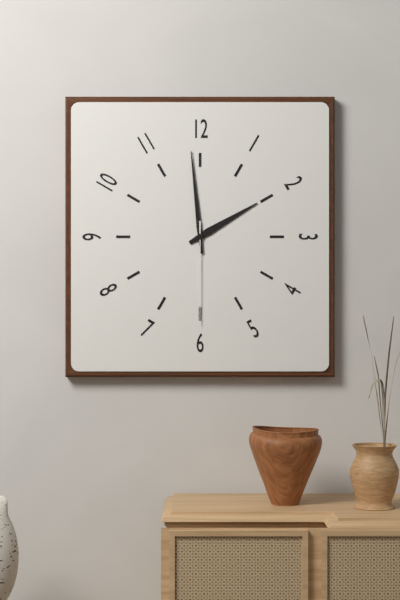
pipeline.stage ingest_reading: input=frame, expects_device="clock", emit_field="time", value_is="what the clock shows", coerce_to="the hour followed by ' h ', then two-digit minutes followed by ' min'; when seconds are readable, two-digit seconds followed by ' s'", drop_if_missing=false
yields 1 h 59 min 30 s
